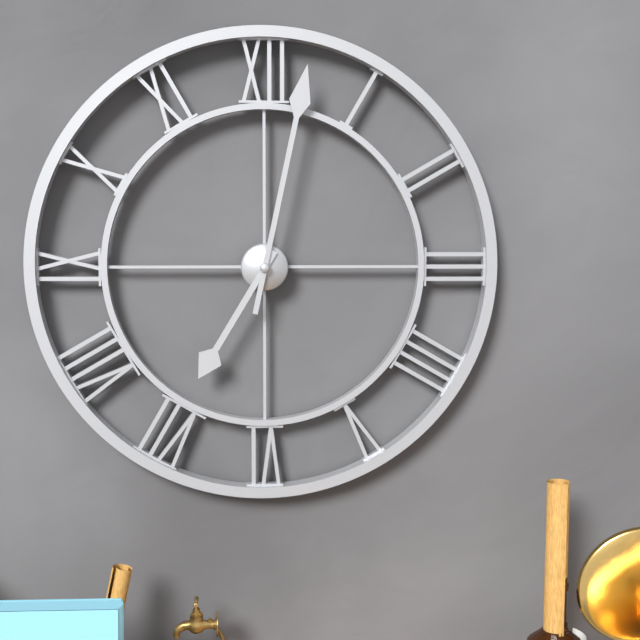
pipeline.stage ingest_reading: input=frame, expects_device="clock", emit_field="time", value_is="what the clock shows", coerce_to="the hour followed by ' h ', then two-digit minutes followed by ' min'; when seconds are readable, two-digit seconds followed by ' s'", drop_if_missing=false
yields 7 h 02 min
